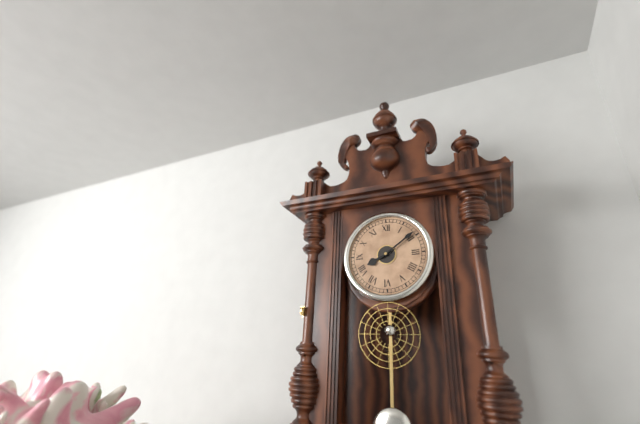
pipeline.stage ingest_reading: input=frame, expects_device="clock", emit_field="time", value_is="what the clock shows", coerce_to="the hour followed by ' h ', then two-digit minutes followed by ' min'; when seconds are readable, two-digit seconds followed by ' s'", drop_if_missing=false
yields 8 h 09 min
